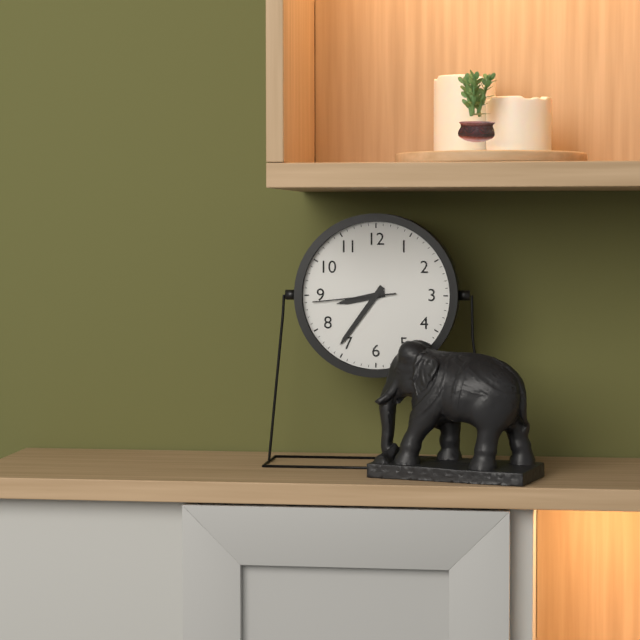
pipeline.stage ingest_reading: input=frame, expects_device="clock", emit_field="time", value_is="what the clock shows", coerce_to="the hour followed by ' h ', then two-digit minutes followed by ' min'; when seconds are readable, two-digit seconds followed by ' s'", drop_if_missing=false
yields 8 h 36 min 44 s
